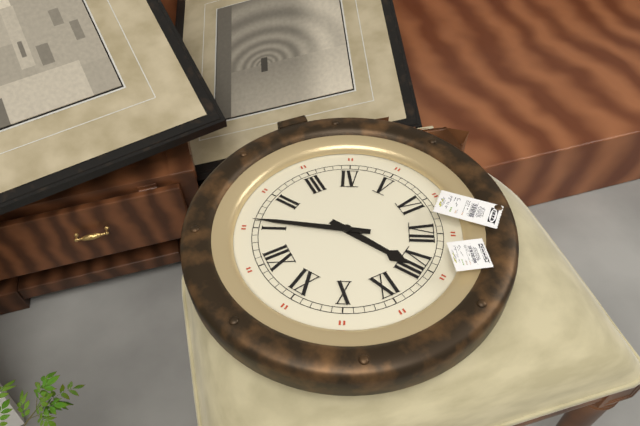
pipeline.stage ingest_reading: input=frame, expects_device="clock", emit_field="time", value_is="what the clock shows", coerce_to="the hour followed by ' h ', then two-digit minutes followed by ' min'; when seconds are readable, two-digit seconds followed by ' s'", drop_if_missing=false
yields 8 h 06 min
